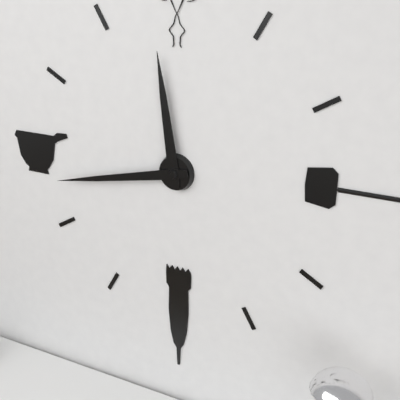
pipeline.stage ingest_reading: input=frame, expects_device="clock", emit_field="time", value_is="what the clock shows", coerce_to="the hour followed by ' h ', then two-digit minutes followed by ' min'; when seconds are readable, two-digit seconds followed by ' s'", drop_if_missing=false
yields 11 h 43 min
